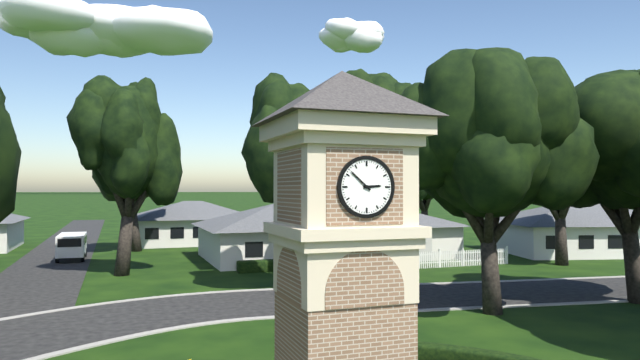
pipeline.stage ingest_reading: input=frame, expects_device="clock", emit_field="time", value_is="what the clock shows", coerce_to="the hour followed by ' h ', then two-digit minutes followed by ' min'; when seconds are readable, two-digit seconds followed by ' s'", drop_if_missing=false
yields 2 h 52 min
